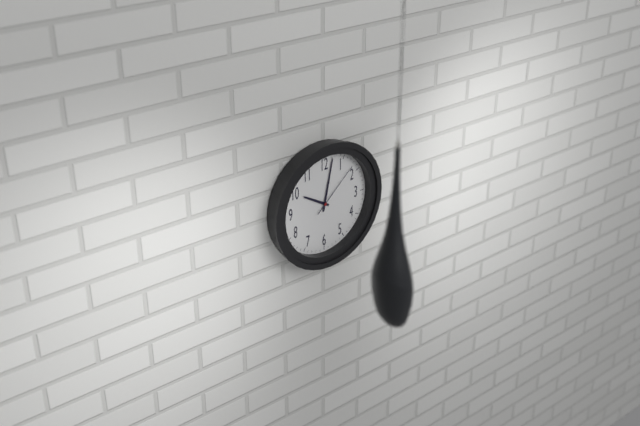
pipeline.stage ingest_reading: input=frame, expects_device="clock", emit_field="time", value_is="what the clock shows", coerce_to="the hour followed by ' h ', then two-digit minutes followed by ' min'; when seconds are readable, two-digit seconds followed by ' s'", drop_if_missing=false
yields 10 h 02 min 08 s
